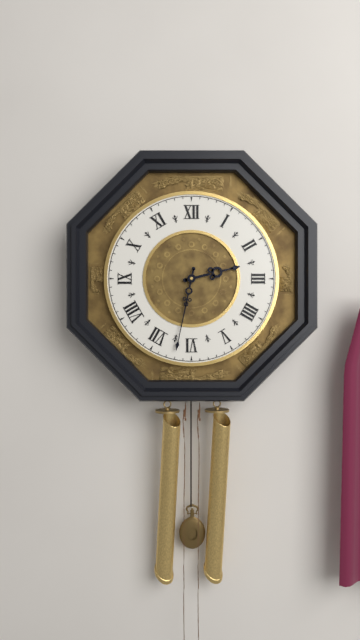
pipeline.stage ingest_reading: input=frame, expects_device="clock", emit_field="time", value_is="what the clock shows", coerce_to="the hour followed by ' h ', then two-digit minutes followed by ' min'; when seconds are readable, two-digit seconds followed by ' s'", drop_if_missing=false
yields 2 h 32 min
